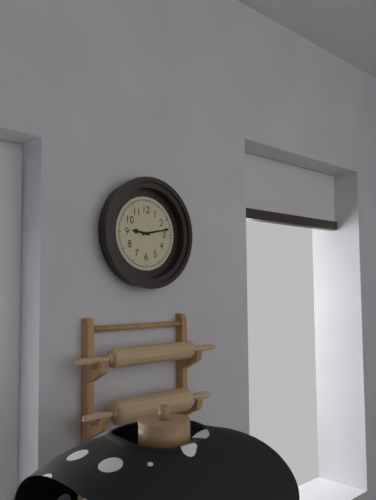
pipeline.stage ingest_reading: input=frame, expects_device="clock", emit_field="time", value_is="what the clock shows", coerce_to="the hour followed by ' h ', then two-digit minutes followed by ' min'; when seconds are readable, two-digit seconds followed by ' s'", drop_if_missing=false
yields 9 h 13 min
